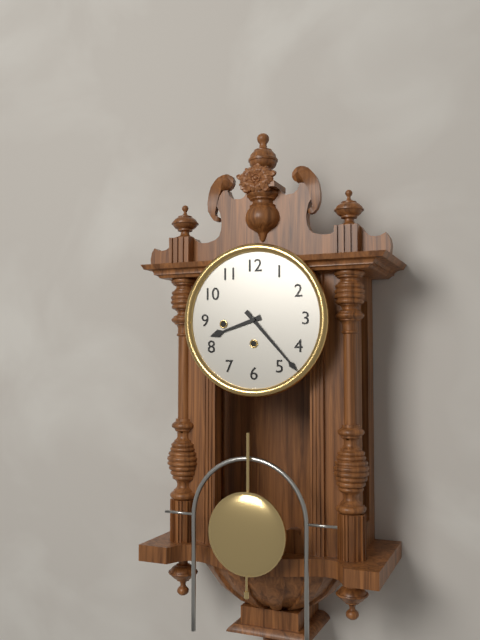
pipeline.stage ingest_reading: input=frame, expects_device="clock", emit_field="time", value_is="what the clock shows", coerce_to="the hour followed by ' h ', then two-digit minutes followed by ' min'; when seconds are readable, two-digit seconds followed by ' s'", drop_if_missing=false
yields 8 h 23 min
